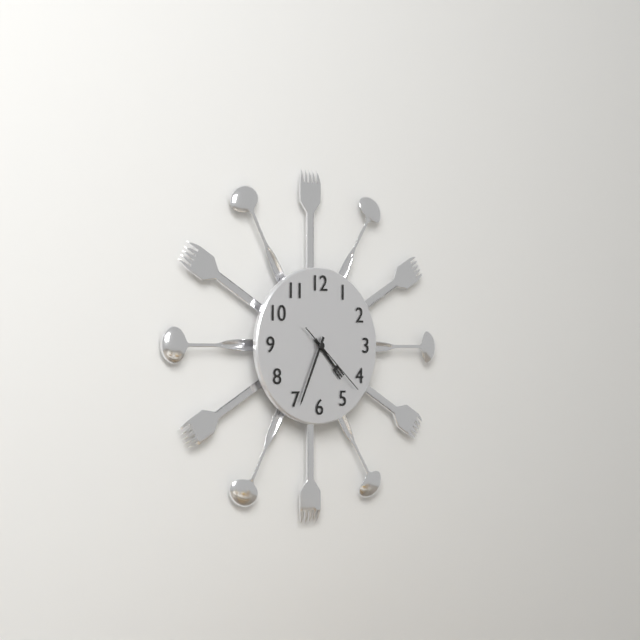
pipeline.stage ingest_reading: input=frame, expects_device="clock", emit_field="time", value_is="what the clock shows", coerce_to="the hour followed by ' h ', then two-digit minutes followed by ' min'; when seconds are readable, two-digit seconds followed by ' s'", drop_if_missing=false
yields 4 h 34 min 22 s
